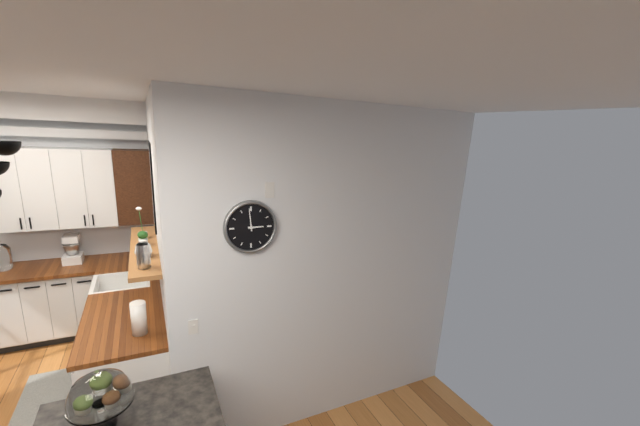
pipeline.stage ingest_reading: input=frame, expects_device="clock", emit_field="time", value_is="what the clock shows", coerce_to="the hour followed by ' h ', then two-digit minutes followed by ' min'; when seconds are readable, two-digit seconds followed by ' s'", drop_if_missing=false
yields 2 h 59 min
